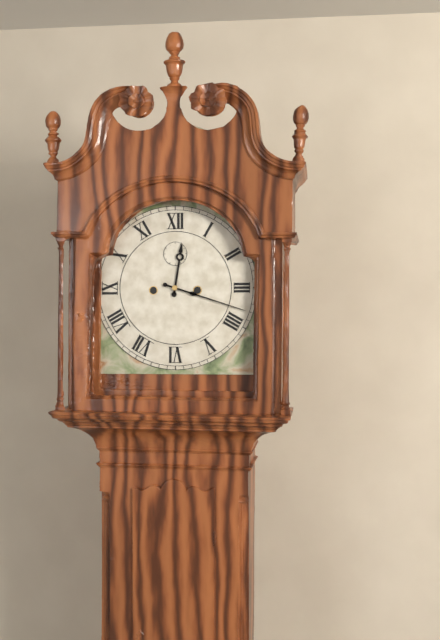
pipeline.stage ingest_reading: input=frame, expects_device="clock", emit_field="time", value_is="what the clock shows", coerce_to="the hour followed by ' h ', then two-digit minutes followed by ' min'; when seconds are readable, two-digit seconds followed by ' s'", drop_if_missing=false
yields 12 h 18 min
